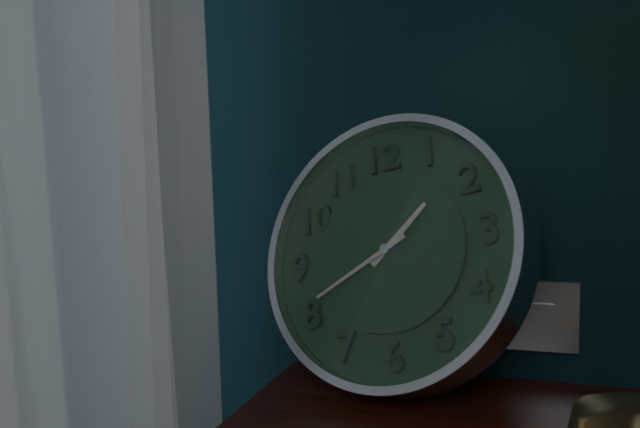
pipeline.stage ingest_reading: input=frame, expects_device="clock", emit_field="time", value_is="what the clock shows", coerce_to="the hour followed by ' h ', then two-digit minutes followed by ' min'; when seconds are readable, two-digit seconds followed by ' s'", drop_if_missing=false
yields 1 h 41 min
